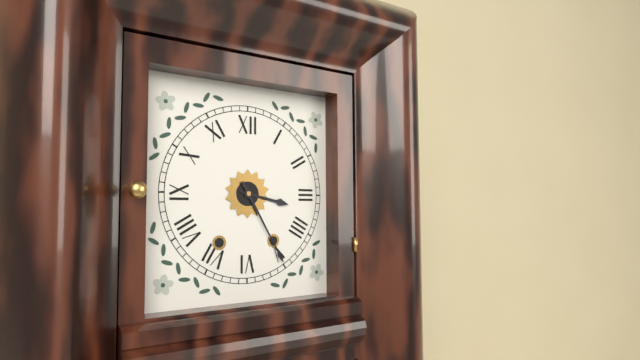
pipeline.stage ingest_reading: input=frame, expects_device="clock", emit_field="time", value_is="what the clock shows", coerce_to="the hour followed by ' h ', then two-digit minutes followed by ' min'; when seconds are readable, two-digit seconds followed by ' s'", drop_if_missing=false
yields 3 h 25 min
